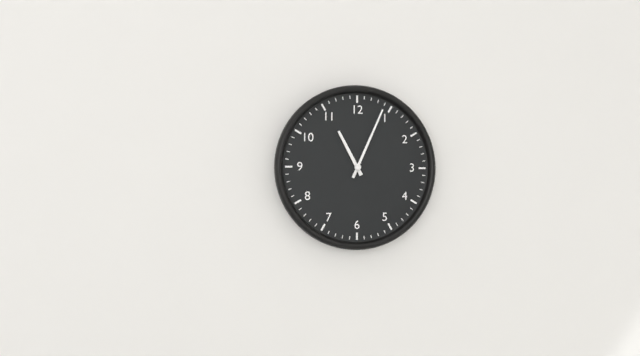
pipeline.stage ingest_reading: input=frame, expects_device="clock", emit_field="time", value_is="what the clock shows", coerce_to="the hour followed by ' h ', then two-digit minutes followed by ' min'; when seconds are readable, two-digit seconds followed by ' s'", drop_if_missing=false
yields 11 h 04 min
